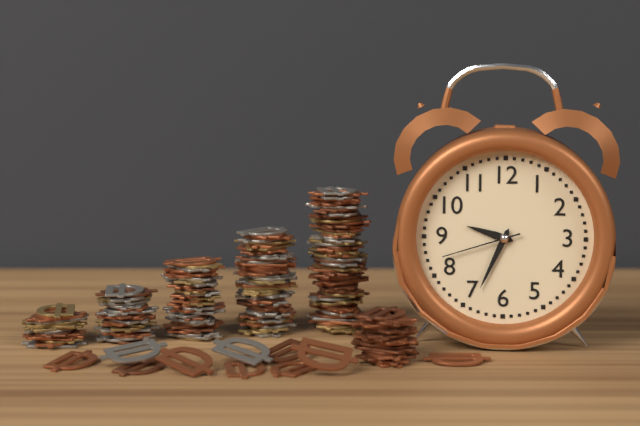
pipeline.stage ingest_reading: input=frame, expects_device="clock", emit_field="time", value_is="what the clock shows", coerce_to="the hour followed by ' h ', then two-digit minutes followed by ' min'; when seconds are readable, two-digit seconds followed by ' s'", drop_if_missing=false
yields 9 h 34 min 42 s
